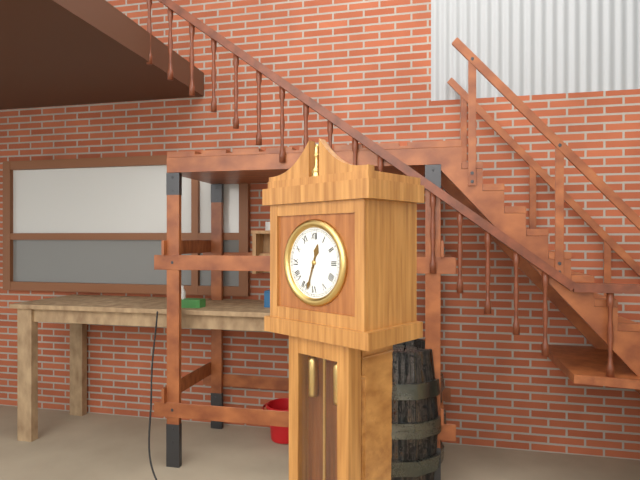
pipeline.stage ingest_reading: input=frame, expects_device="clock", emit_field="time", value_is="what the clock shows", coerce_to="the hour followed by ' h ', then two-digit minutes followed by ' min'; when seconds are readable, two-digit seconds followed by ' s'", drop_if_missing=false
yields 12 h 33 min
